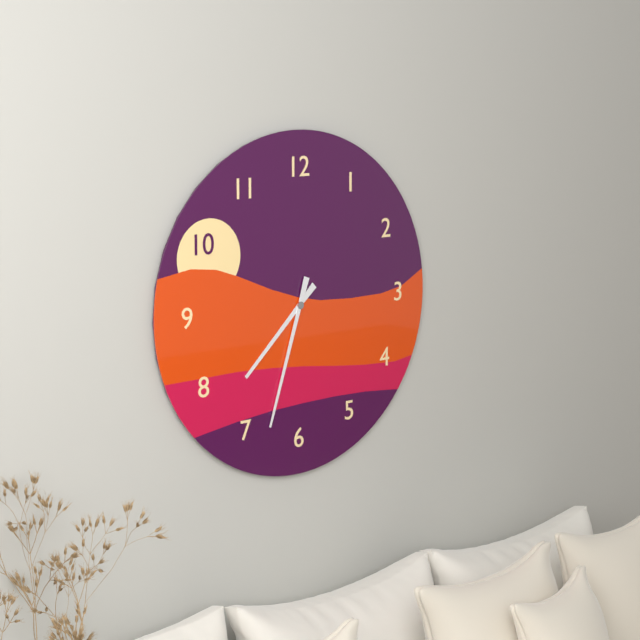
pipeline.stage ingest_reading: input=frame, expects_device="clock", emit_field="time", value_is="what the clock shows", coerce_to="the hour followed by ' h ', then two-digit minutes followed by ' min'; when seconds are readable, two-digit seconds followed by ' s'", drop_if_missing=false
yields 7 h 33 min
